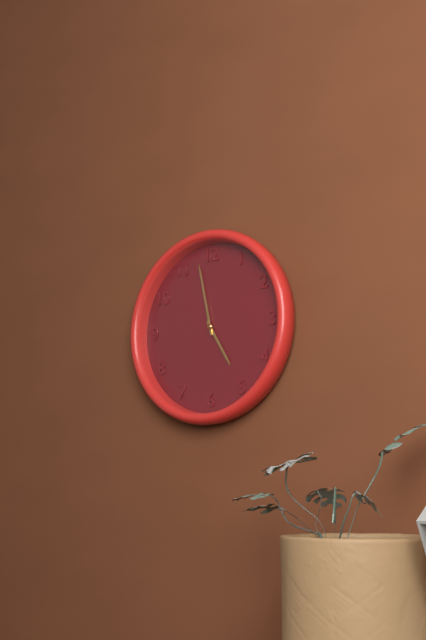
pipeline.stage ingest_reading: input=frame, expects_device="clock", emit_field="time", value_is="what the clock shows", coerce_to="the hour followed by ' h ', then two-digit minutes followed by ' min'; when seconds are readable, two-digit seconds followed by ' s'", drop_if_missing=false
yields 4 h 58 min
